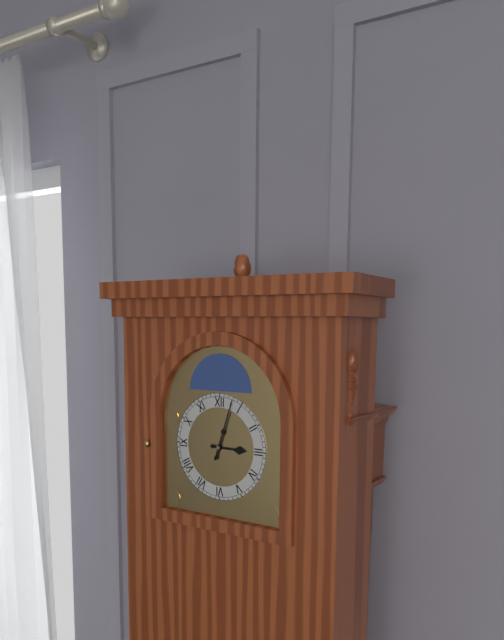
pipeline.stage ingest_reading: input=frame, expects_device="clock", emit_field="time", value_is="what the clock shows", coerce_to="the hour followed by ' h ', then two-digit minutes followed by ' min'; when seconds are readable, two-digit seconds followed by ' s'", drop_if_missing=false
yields 3 h 03 min
